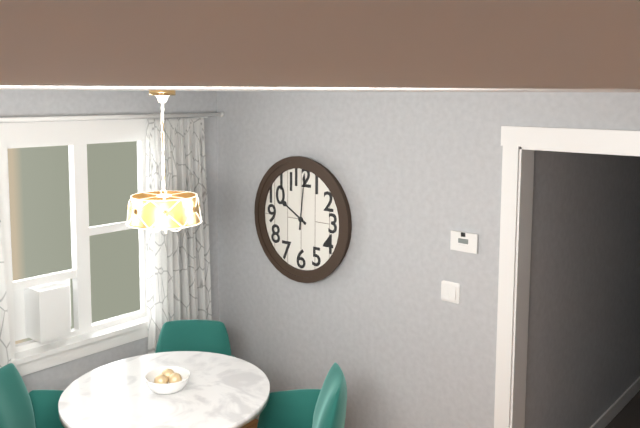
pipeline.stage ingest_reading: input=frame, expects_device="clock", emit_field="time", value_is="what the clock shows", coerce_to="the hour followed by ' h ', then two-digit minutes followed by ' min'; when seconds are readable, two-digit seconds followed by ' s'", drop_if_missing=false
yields 10 h 01 min
